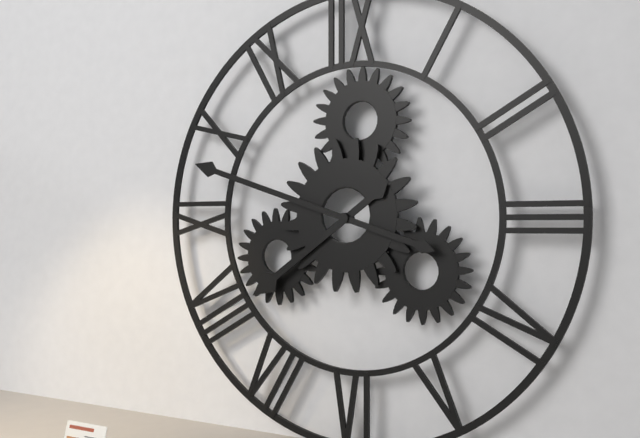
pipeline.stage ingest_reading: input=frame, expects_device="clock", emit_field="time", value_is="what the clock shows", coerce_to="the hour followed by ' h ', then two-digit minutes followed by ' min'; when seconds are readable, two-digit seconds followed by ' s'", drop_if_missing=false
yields 7 h 48 min
